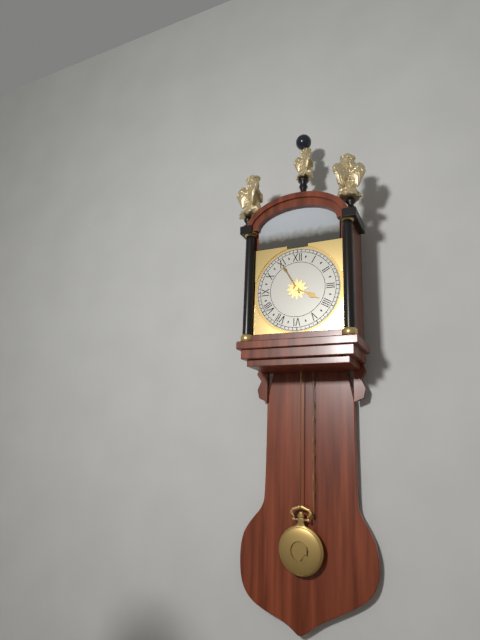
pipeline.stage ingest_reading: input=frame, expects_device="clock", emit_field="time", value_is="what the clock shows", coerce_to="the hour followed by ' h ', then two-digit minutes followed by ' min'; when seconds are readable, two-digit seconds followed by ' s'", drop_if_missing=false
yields 3 h 55 min
